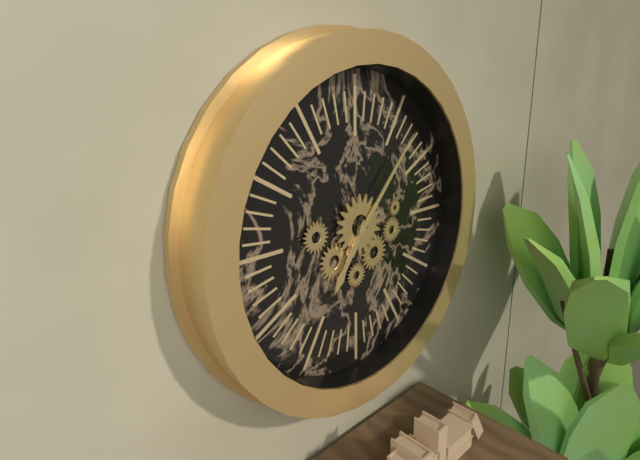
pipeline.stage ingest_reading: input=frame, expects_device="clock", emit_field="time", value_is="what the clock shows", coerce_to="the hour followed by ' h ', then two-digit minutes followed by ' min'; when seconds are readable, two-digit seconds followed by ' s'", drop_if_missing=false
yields 7 h 07 min
